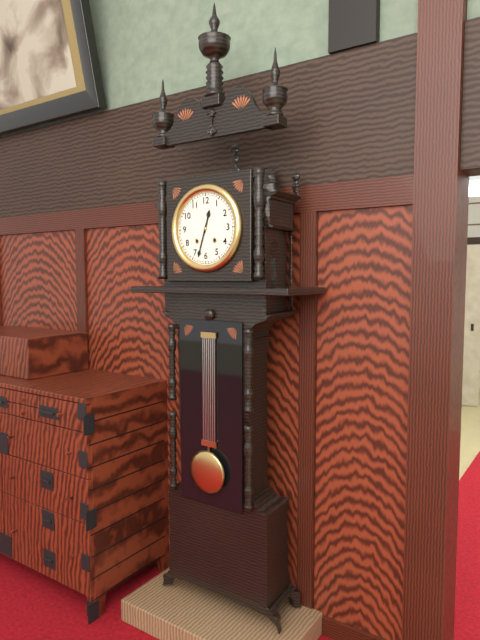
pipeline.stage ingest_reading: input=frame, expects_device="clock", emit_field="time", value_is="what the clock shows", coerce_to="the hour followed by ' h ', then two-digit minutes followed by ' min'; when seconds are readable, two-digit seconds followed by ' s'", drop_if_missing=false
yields 12 h 33 min
